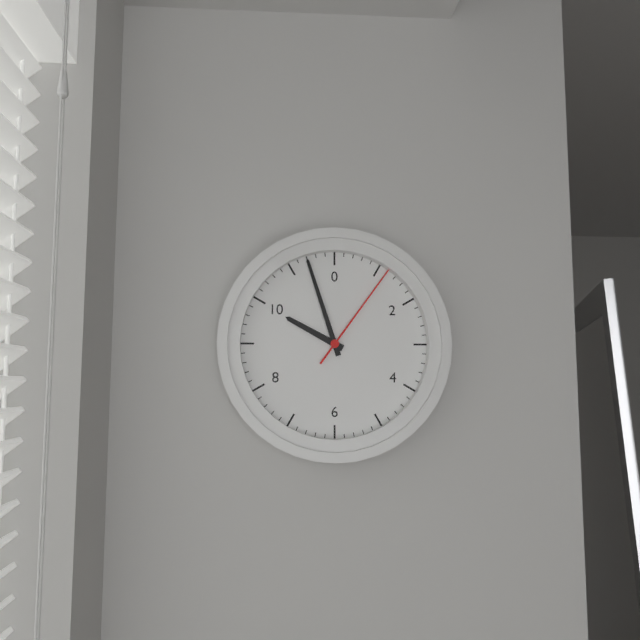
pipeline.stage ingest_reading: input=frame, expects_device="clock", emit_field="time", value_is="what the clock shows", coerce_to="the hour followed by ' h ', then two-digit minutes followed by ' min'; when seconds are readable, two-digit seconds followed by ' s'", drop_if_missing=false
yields 9 h 57 min 06 s
